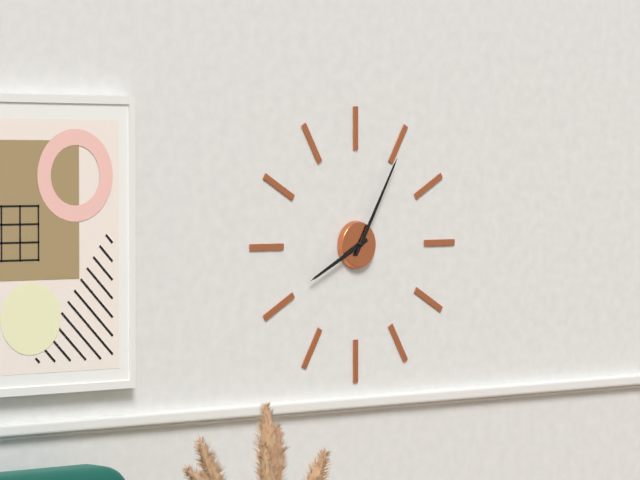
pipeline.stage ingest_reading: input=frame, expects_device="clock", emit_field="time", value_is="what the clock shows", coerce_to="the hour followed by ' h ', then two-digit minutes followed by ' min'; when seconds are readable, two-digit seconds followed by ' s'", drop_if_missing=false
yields 8 h 05 min
